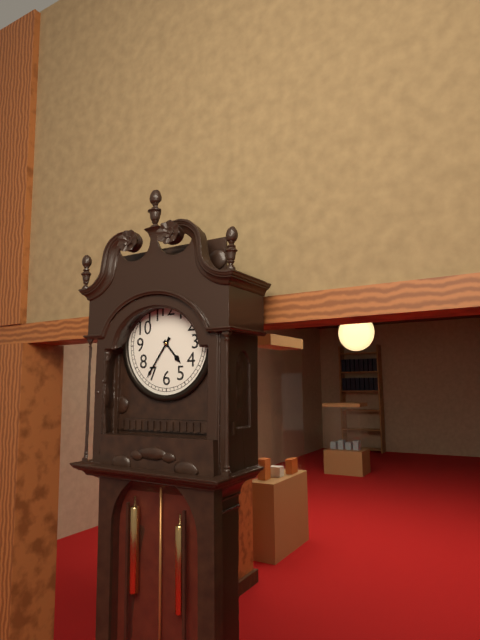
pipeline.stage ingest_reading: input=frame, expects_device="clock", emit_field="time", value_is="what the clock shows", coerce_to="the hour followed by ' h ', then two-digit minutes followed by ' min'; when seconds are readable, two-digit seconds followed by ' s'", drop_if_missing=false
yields 4 h 36 min
